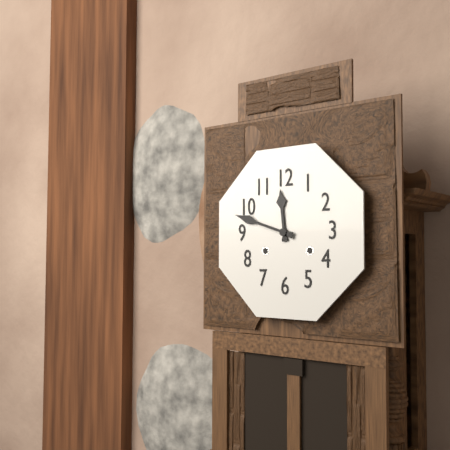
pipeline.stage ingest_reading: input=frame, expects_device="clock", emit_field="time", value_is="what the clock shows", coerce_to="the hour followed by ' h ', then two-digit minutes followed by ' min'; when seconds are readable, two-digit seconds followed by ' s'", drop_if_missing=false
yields 11 h 48 min
